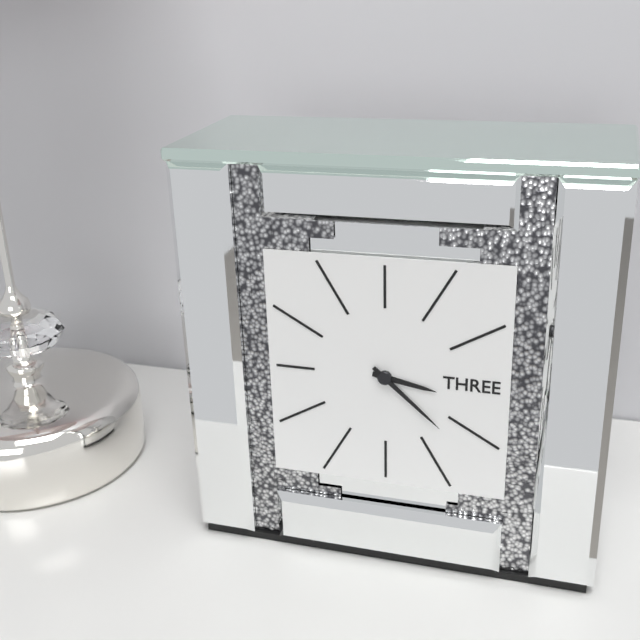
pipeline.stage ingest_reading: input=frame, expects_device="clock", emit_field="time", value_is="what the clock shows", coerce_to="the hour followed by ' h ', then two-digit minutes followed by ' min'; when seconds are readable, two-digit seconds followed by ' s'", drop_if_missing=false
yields 3 h 22 min
